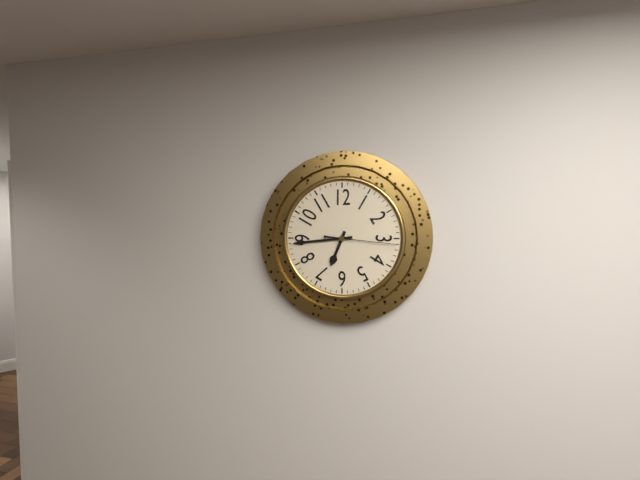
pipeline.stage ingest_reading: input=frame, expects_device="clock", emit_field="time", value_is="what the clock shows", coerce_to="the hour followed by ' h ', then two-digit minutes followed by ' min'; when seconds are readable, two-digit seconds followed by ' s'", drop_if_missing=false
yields 6 h 44 min 16 s
